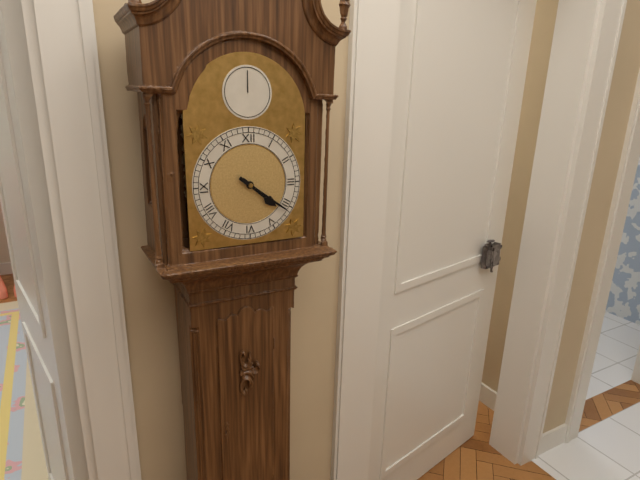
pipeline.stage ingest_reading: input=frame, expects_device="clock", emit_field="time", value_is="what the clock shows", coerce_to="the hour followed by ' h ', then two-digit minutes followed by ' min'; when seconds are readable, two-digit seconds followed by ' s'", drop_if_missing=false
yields 4 h 21 min
